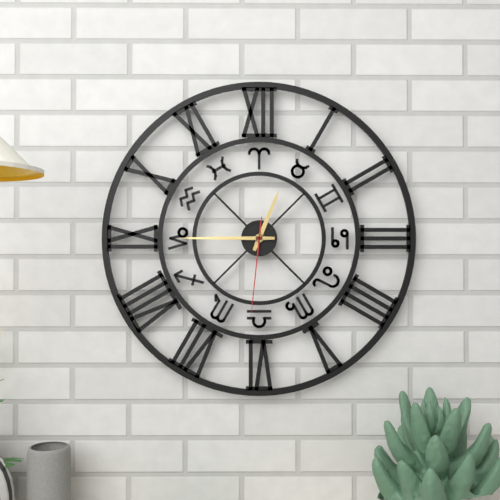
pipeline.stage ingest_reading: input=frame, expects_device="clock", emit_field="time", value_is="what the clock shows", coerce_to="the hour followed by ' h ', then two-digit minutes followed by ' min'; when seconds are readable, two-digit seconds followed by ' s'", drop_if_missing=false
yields 12 h 45 min 31 s
